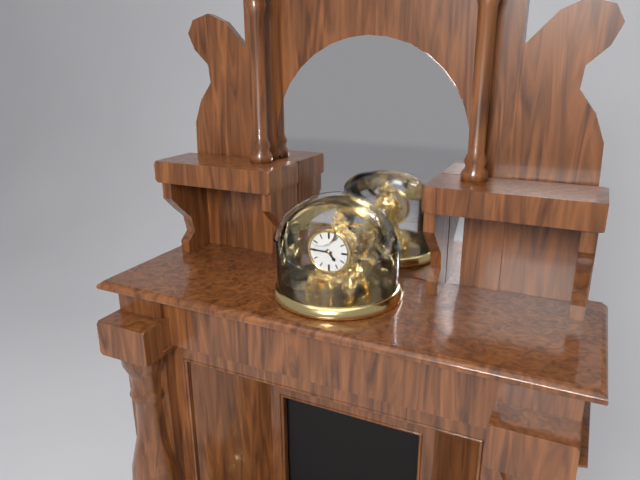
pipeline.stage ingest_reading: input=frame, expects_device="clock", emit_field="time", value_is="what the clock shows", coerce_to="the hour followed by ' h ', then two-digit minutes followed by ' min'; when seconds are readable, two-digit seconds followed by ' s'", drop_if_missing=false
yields 4 h 45 min
